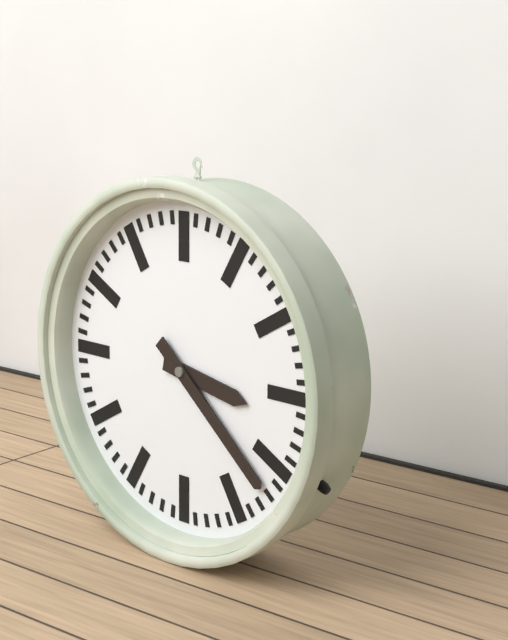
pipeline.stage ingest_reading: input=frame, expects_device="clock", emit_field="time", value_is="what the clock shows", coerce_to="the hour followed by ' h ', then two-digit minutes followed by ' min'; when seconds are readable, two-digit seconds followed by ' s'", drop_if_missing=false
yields 3 h 22 min
